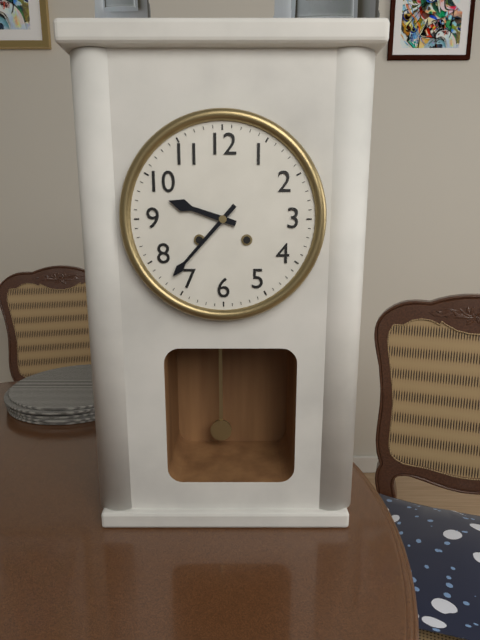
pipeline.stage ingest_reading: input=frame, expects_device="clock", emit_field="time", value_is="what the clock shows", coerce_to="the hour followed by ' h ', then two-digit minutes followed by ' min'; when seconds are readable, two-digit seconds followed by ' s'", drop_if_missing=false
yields 9 h 37 min
